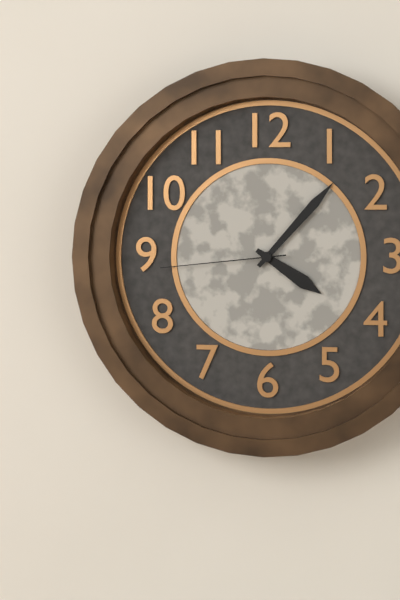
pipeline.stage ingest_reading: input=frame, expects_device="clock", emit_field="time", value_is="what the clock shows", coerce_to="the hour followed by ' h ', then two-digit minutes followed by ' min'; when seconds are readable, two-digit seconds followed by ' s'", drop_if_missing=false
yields 4 h 07 min 44 s
